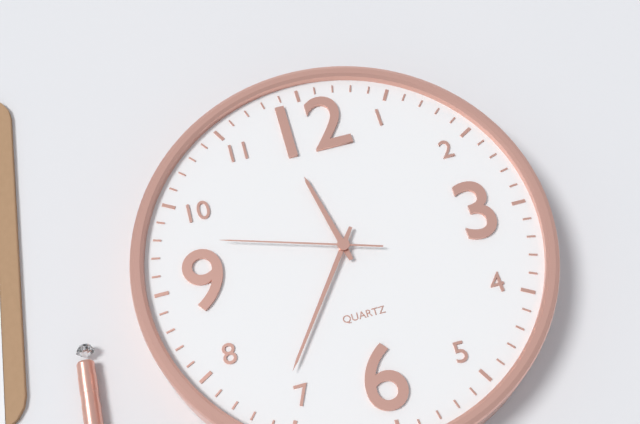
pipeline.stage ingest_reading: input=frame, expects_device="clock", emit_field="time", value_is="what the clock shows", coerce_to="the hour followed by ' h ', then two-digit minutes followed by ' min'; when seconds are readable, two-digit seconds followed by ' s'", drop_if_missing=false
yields 11 h 36 min 48 s
